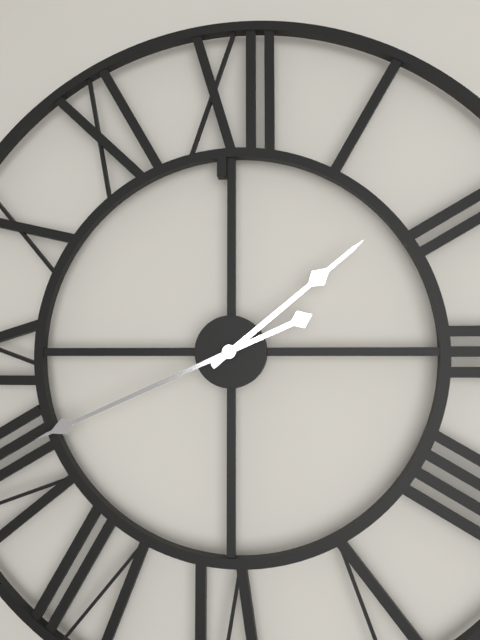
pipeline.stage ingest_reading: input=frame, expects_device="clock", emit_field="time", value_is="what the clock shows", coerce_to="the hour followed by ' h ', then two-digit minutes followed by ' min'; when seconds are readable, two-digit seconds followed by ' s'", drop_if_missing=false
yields 1 h 41 min
